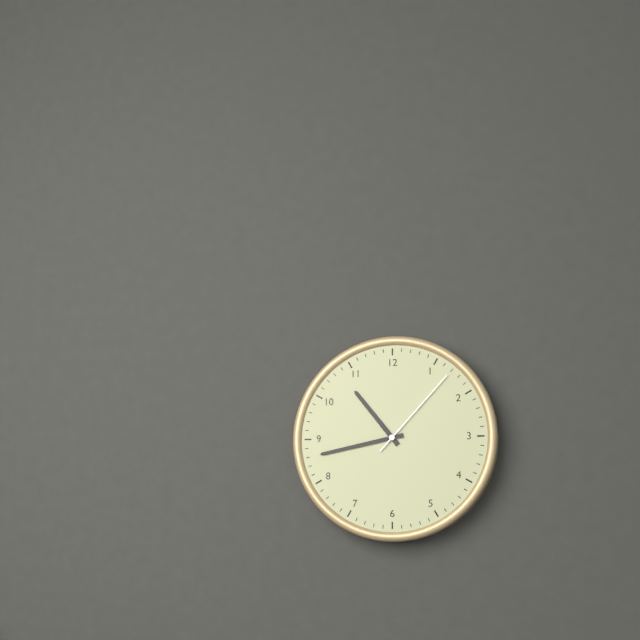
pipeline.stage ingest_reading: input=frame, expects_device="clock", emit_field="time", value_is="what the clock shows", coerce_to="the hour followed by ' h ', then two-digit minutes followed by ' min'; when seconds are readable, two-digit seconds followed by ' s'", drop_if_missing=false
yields 10 h 43 min 07 s
